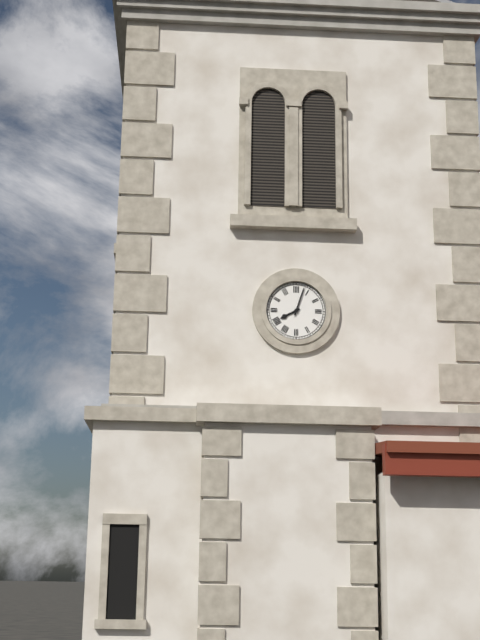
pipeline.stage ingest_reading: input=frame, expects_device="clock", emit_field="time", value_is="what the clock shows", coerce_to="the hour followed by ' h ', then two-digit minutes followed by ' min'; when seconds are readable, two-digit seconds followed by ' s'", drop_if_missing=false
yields 8 h 03 min
